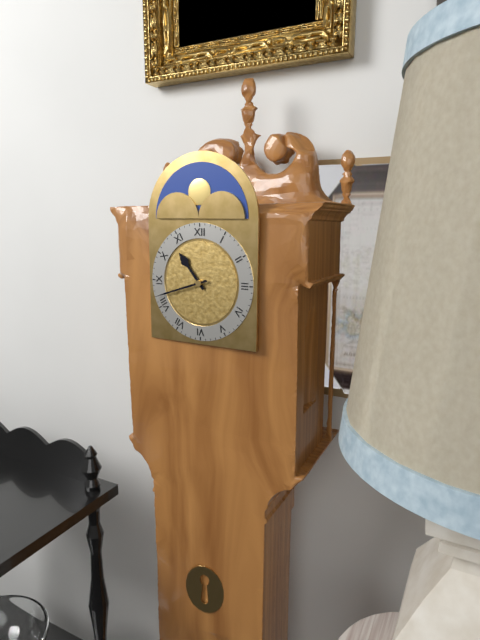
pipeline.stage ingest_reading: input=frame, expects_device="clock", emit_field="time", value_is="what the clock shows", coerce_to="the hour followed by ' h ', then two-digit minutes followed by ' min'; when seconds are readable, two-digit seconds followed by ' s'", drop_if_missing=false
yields 10 h 42 min
